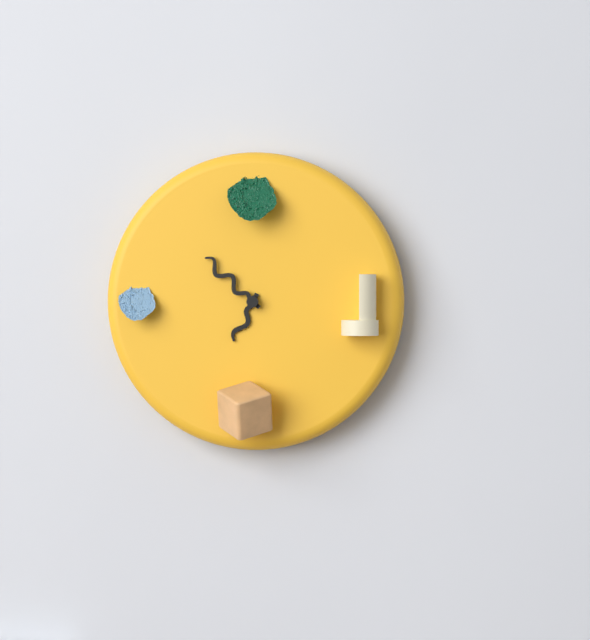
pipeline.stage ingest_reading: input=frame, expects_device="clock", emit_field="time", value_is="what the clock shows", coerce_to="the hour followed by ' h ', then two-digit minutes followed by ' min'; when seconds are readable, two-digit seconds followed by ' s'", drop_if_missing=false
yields 6 h 52 min
